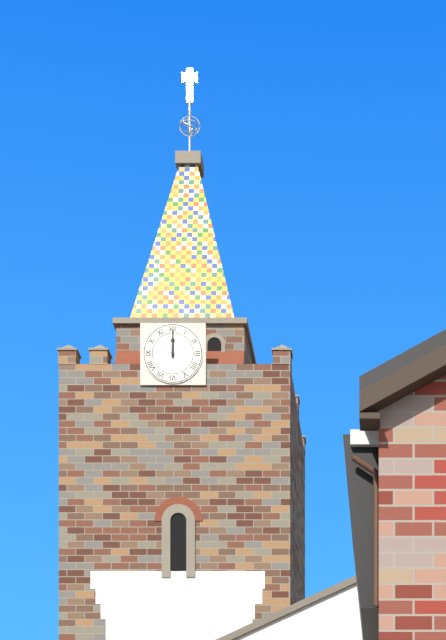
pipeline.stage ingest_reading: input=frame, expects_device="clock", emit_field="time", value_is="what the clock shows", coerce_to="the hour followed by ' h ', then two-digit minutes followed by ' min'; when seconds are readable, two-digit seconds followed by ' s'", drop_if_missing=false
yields 12 h 00 min
